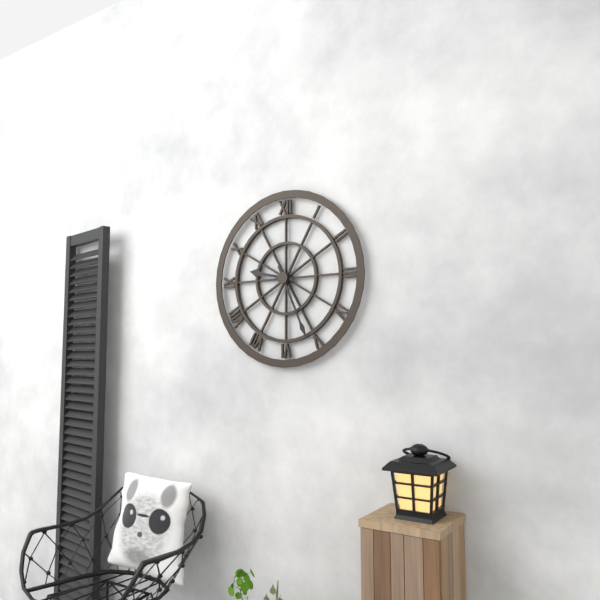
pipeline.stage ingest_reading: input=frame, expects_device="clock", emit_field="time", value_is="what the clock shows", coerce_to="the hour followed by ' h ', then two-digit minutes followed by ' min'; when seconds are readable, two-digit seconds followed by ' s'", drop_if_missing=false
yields 9 h 26 min
